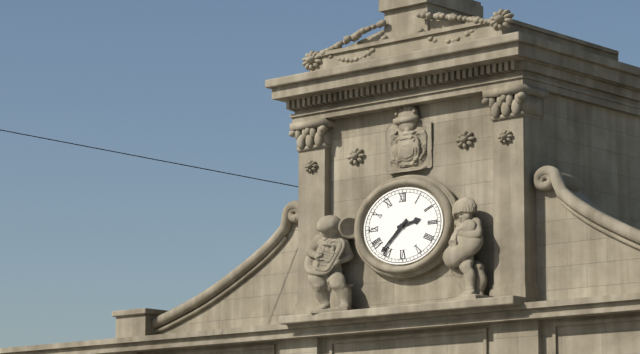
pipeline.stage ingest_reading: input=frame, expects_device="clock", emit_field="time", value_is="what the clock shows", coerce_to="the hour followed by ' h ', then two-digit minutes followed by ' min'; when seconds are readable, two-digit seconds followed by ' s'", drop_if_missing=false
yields 2 h 38 min
